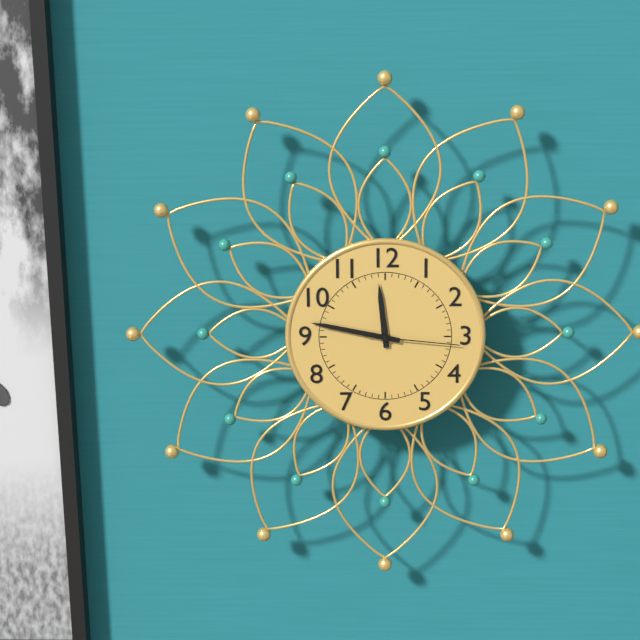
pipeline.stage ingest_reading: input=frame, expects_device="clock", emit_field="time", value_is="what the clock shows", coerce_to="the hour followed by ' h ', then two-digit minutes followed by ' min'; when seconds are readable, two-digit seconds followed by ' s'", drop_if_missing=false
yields 11 h 47 min 16 s
